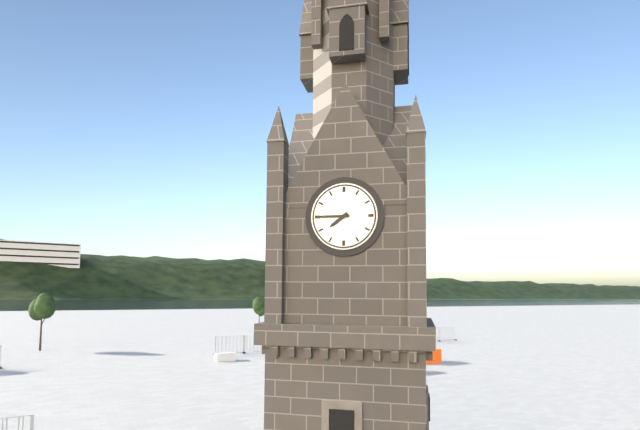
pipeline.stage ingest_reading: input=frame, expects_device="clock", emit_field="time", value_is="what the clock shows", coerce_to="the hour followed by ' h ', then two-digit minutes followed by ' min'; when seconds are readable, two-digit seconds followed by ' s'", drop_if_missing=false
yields 7 h 45 min
